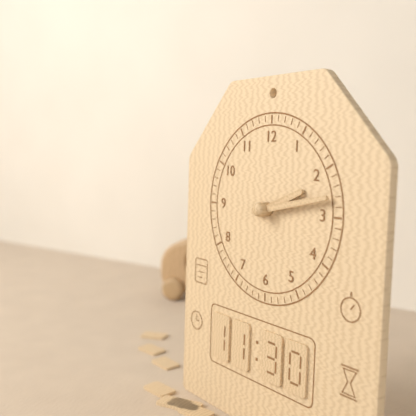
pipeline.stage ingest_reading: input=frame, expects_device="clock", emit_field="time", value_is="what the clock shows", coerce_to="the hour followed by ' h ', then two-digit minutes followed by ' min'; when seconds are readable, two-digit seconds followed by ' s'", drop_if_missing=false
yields 2 h 13 min
